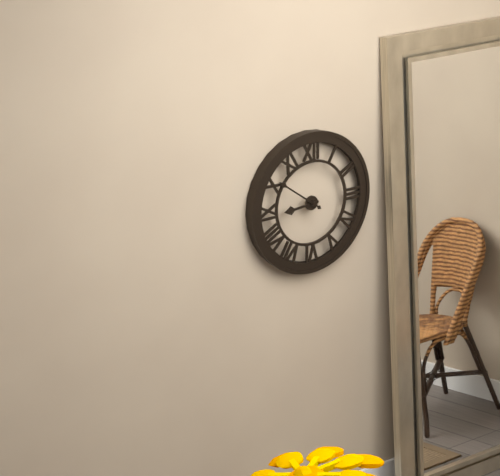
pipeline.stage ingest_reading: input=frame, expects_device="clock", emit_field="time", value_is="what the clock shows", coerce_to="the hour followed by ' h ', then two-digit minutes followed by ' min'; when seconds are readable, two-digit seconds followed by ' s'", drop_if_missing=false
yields 8 h 51 min
